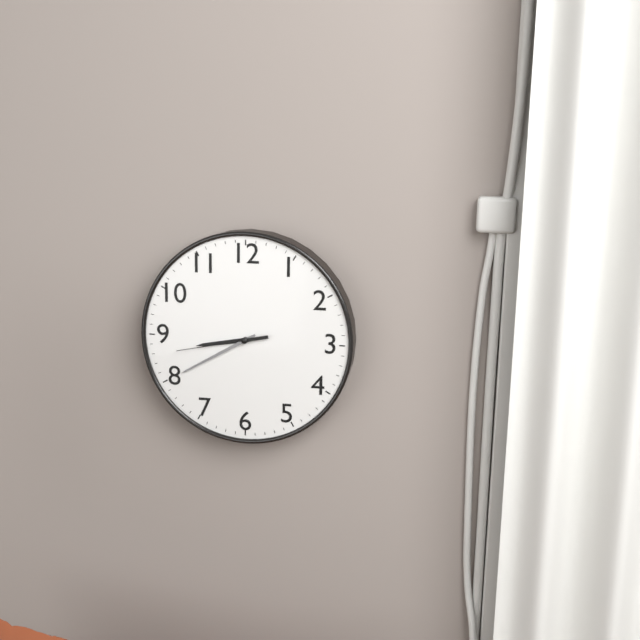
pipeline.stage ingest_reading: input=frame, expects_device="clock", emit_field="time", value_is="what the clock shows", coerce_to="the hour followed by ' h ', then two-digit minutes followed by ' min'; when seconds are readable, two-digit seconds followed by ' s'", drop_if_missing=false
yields 8 h 40 min 43 s
